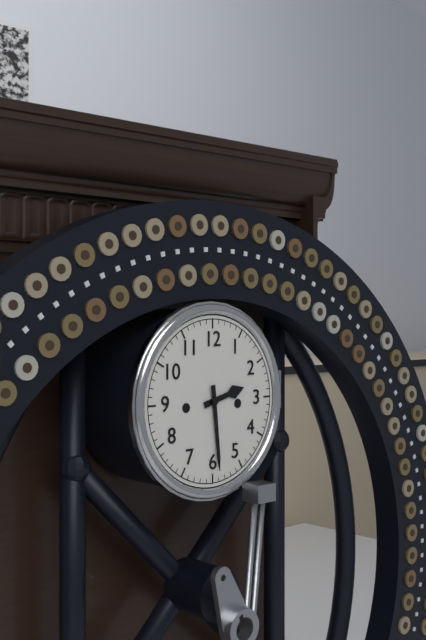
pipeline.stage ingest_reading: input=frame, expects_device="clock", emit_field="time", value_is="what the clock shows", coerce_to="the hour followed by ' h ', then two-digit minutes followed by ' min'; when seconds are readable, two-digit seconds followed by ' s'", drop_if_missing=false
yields 2 h 29 min
